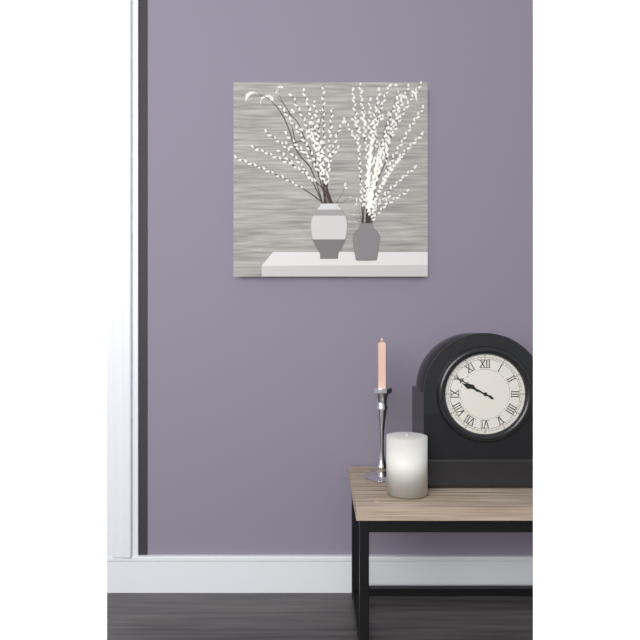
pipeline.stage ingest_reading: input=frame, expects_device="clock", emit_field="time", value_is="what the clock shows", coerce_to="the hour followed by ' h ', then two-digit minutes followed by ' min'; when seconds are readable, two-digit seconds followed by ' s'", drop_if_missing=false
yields 9 h 50 min
